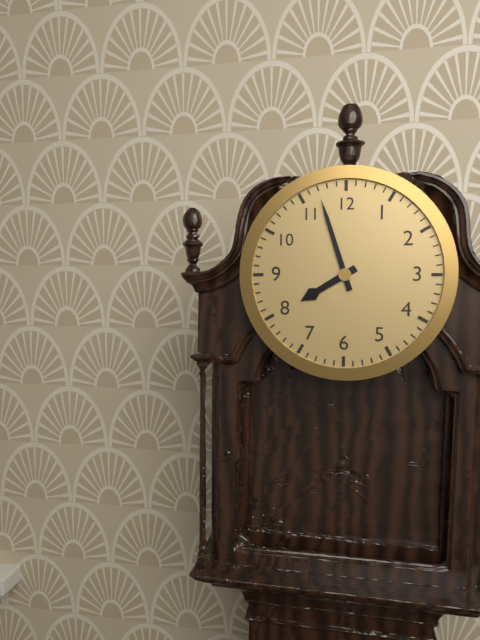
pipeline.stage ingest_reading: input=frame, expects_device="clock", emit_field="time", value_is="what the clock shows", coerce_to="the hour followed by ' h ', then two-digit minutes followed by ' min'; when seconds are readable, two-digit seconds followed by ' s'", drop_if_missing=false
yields 7 h 57 min
